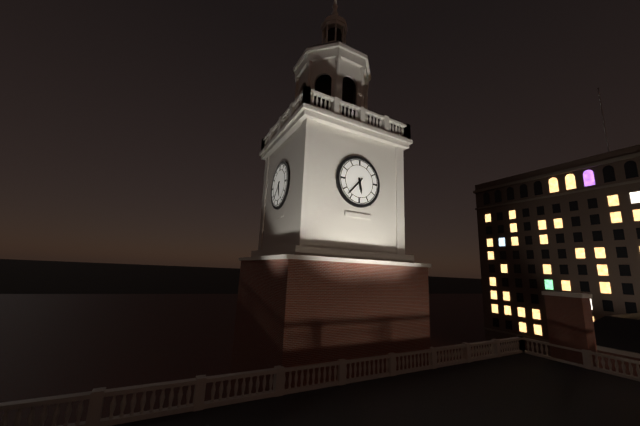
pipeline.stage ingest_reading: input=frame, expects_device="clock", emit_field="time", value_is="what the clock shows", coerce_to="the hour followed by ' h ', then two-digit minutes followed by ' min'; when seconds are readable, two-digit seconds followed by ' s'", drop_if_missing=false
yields 5 h 37 min
